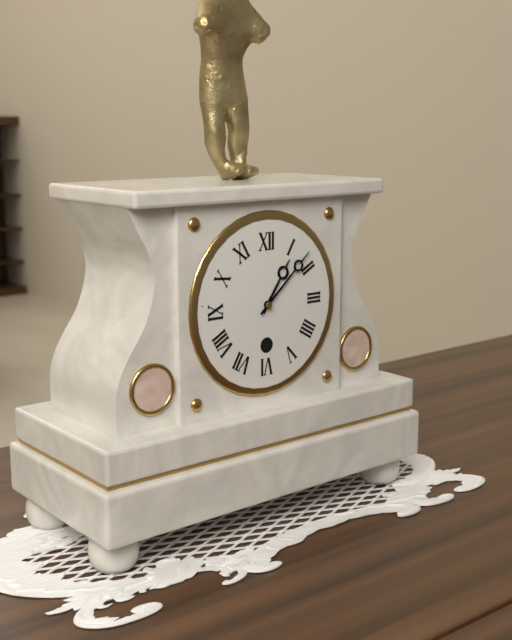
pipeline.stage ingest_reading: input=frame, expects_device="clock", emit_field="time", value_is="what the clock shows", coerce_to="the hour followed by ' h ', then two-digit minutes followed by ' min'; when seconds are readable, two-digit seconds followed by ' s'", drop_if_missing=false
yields 1 h 08 min
